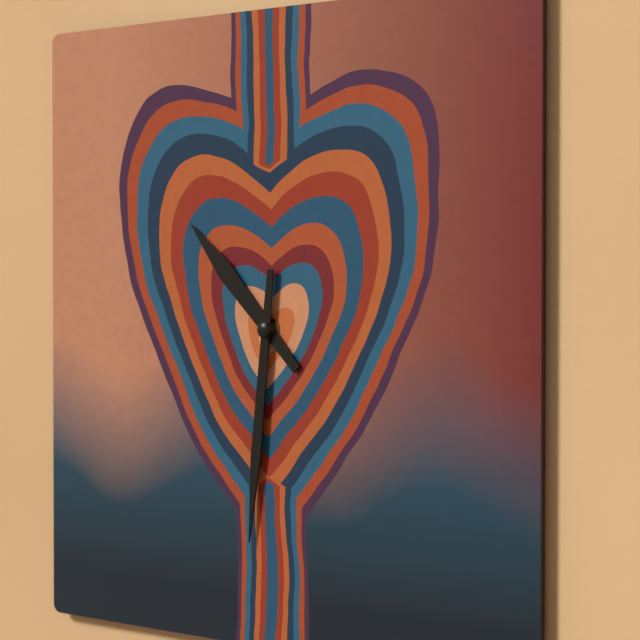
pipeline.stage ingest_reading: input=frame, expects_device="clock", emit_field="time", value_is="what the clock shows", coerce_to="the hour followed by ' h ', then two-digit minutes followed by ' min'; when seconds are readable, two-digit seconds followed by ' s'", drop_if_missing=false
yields 10 h 31 min
